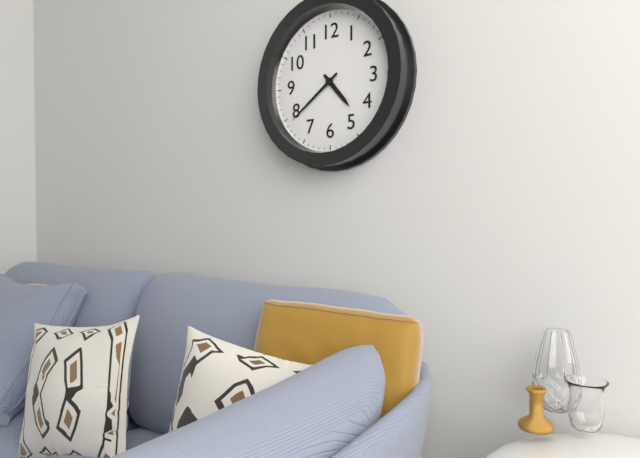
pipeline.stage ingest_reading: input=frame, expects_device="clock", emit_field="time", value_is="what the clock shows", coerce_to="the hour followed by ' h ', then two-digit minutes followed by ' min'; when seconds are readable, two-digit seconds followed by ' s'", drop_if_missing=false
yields 4 h 39 min
